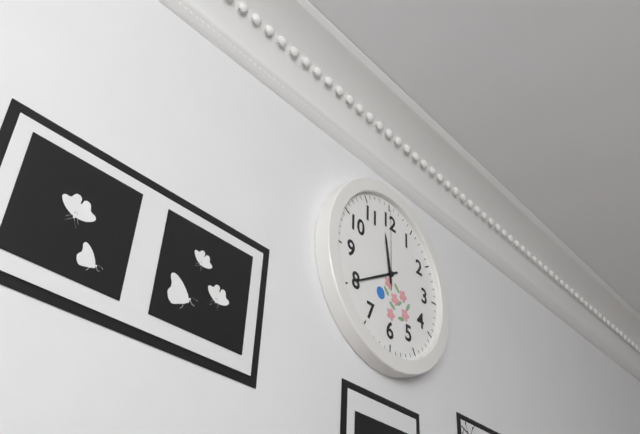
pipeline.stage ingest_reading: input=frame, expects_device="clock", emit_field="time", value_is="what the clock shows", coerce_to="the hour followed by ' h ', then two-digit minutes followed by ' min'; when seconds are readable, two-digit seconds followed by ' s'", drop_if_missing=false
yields 11 h 40 min 00 s
